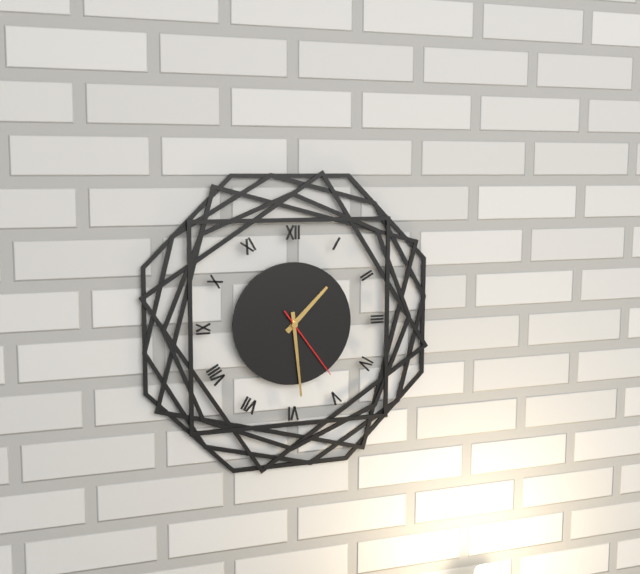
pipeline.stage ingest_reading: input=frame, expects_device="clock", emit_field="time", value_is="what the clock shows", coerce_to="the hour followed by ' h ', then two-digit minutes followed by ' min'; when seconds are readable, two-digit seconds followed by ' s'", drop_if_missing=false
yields 1 h 29 min 24 s
